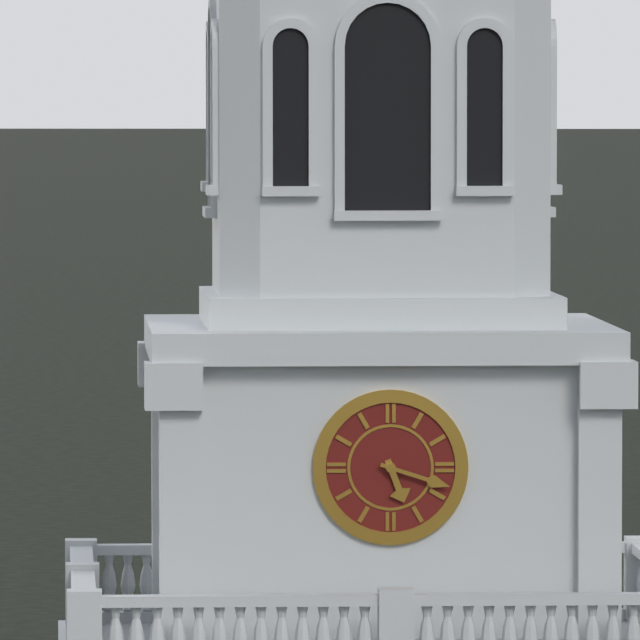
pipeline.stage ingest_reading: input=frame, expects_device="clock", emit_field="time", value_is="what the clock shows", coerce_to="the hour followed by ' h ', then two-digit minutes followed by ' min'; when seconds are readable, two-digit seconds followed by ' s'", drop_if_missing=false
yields 5 h 18 min
